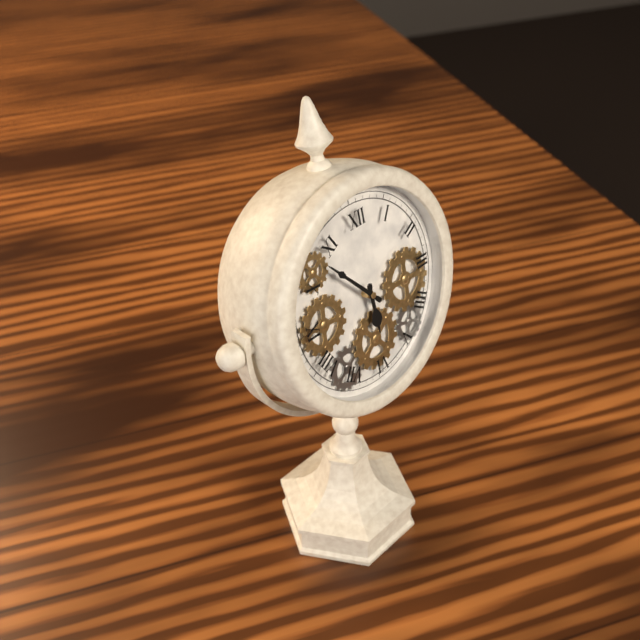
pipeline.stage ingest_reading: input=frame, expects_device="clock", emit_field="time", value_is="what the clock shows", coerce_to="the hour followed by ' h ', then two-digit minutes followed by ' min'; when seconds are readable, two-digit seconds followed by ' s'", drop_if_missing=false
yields 5 h 53 min
